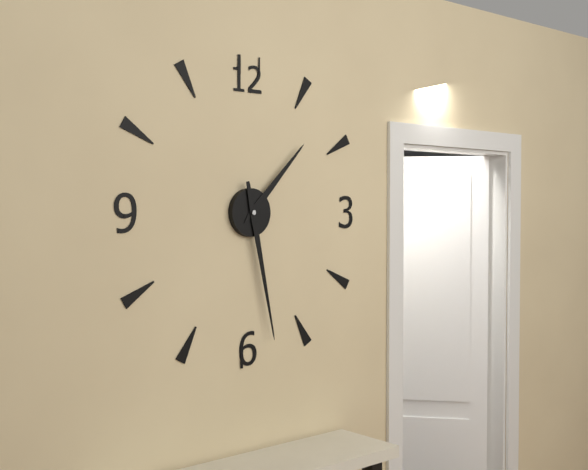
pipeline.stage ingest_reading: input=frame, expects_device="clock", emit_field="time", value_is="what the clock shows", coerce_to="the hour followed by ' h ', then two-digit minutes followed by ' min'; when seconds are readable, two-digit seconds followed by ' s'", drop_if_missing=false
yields 1 h 28 min
